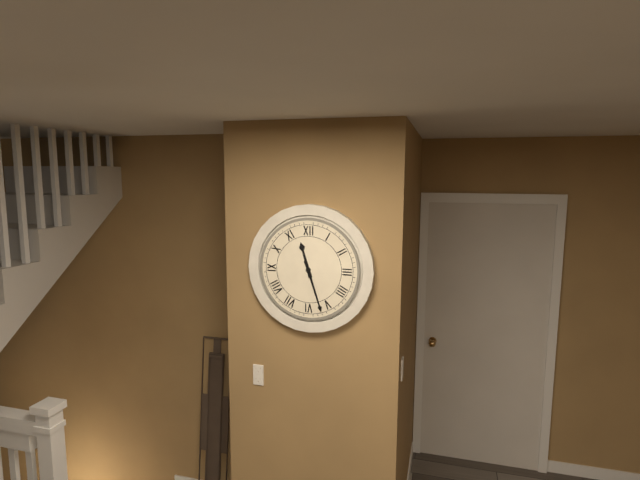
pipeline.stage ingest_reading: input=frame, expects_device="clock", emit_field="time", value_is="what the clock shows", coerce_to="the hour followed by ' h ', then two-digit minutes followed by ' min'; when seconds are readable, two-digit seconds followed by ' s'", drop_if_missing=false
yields 11 h 27 min
